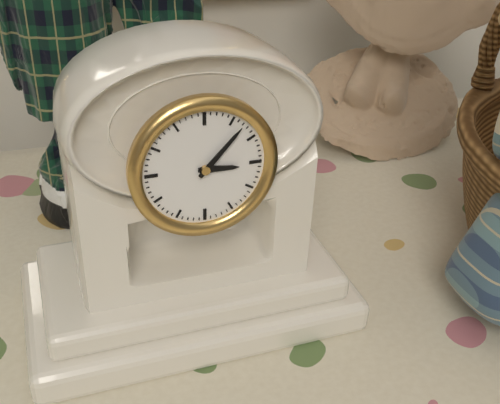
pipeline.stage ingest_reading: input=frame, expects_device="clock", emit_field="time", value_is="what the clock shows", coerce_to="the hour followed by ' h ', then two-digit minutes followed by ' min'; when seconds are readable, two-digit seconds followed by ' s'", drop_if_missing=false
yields 3 h 07 min
